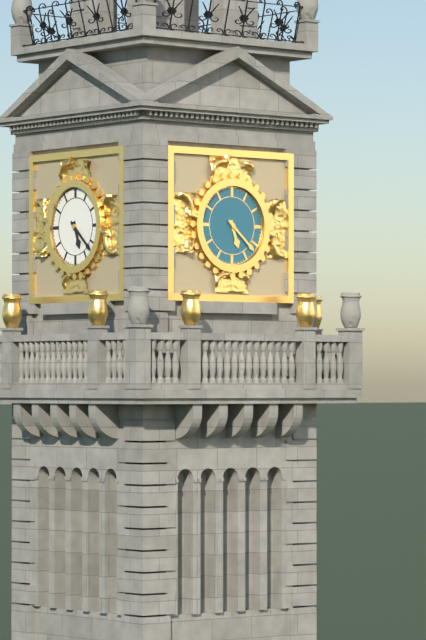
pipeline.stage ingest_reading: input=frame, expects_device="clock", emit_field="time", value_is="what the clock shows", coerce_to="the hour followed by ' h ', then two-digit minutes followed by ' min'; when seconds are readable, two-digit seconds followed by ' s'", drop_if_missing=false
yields 5 h 22 min
